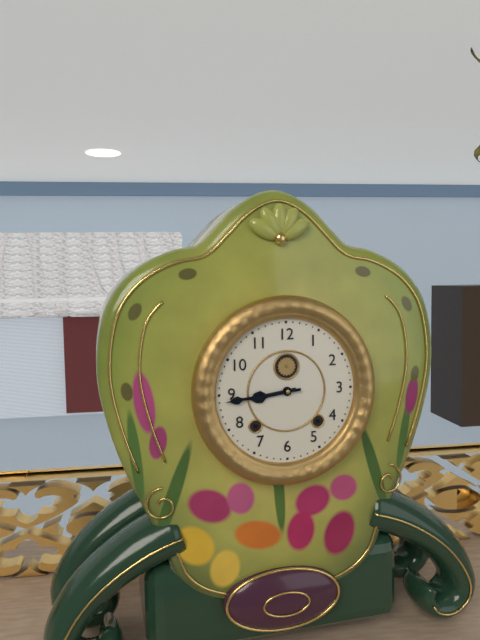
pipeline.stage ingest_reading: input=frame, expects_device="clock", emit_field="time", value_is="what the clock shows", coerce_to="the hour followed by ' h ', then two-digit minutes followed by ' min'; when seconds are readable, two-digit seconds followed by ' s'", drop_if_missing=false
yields 8 h 44 min
